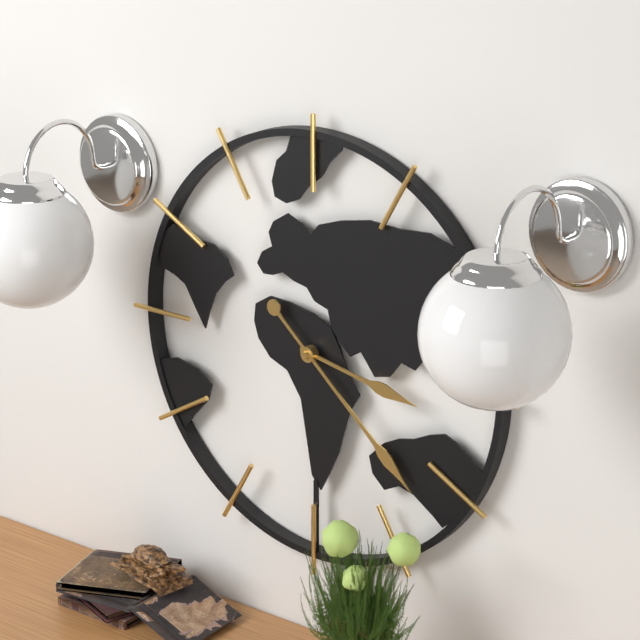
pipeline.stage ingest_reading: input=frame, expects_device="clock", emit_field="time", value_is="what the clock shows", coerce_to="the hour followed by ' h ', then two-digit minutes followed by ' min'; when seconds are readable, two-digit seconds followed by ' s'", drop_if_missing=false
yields 3 h 22 min
